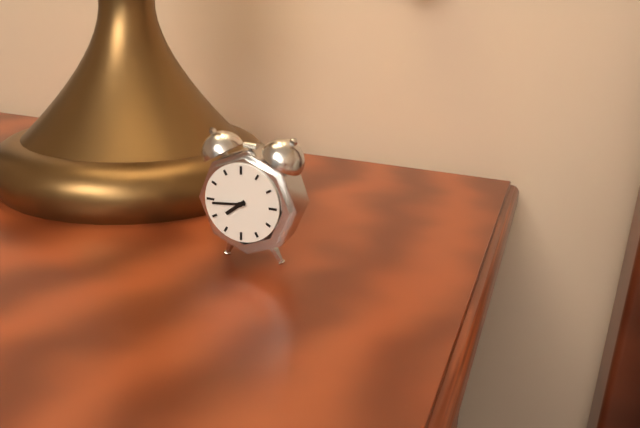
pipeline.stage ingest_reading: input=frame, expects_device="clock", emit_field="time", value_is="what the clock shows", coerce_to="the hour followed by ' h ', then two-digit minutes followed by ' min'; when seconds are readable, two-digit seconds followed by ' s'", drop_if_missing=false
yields 7 h 44 min
